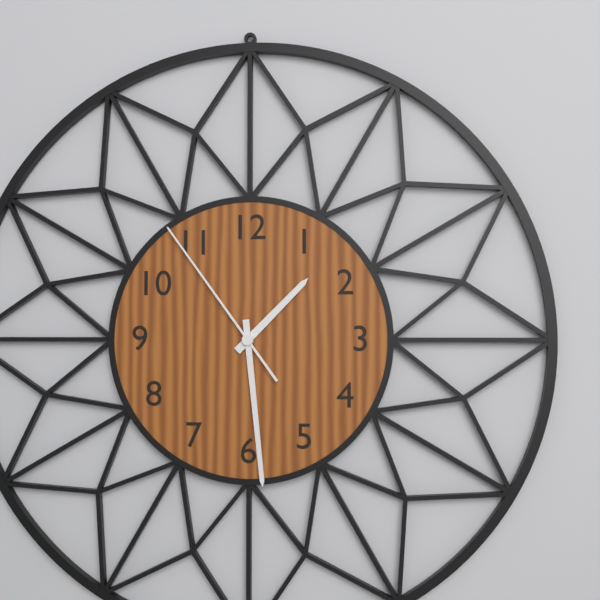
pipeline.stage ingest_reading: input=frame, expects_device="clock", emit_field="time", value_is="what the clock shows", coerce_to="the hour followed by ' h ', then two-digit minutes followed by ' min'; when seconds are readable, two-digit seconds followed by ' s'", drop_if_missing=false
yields 1 h 29 min 54 s
